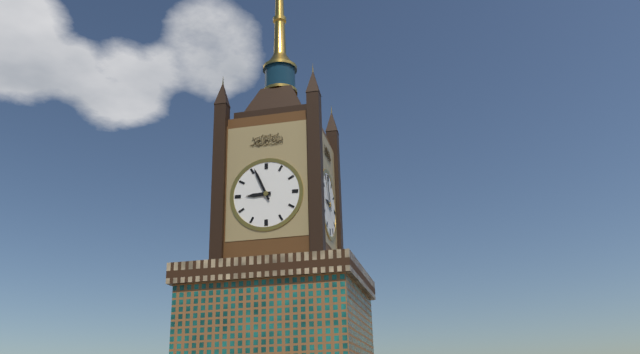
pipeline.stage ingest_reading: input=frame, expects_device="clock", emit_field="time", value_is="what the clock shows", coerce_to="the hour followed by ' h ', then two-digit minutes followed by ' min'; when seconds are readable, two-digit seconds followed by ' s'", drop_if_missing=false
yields 8 h 56 min
